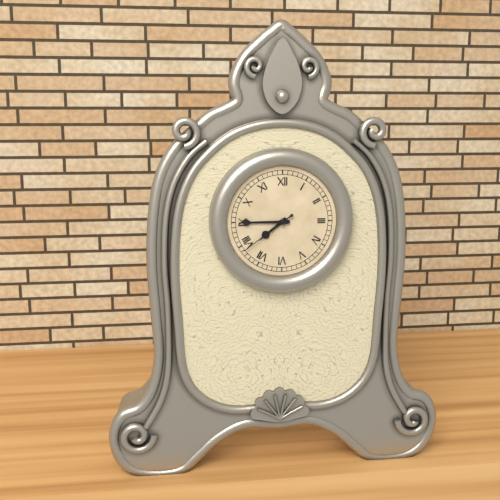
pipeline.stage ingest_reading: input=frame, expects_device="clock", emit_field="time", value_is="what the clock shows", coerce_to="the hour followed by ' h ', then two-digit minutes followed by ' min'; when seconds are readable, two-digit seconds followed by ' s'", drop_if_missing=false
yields 7 h 45 min 39 s
